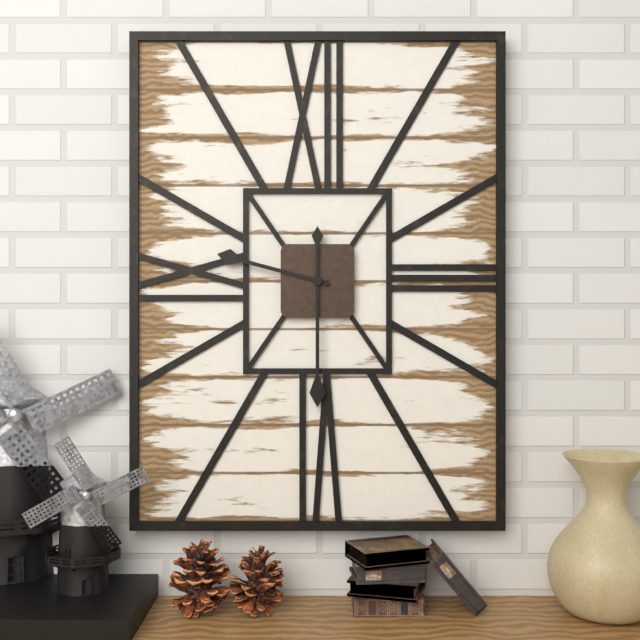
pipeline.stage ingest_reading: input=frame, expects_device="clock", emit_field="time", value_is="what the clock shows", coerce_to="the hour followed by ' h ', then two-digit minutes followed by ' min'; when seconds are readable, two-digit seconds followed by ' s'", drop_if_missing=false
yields 9 h 30 min
